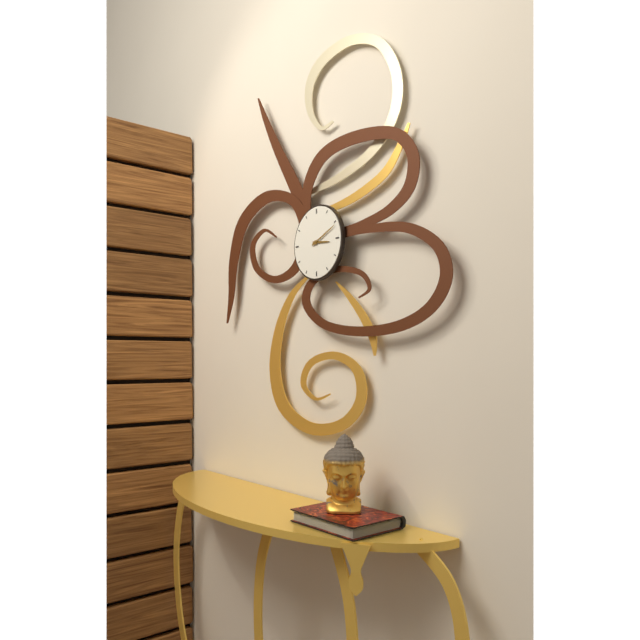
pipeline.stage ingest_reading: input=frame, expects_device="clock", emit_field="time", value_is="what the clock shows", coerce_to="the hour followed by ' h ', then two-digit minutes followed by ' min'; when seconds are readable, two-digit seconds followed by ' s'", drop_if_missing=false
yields 3 h 11 min
